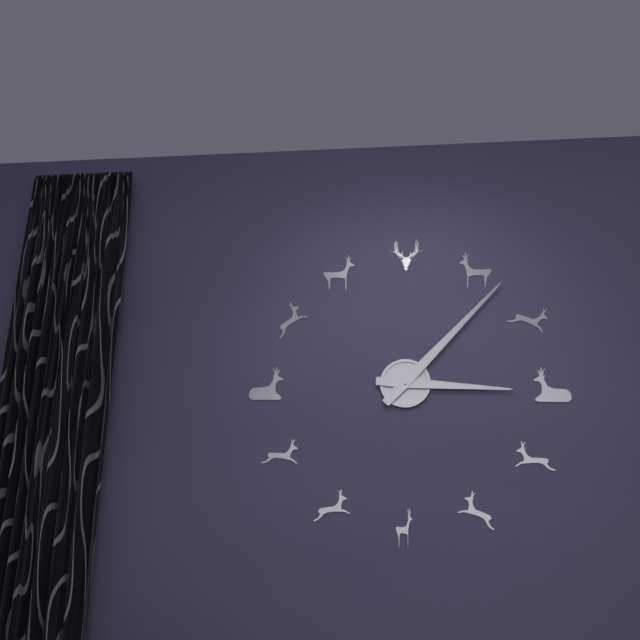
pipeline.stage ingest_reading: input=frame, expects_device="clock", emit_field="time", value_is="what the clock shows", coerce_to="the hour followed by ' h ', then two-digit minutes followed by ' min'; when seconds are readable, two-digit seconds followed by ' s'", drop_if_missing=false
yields 3 h 07 min
